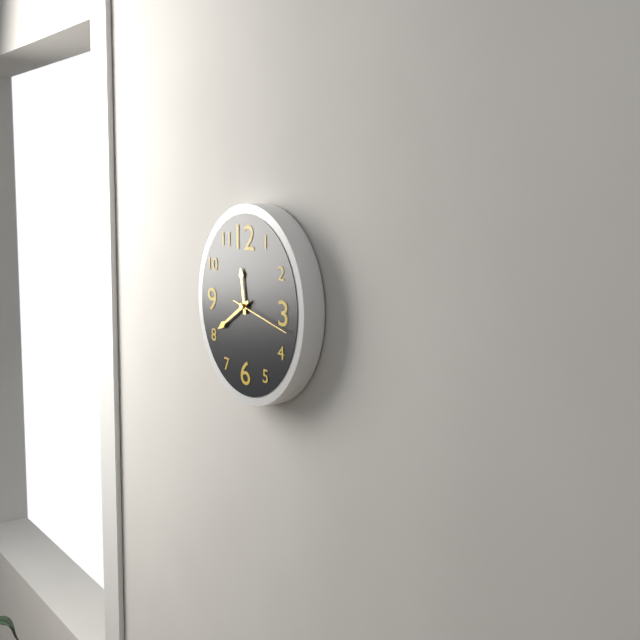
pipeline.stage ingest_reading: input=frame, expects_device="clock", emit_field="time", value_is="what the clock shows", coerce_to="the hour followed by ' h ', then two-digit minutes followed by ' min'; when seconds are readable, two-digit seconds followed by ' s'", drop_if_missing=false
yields 11 h 40 min 17 s
